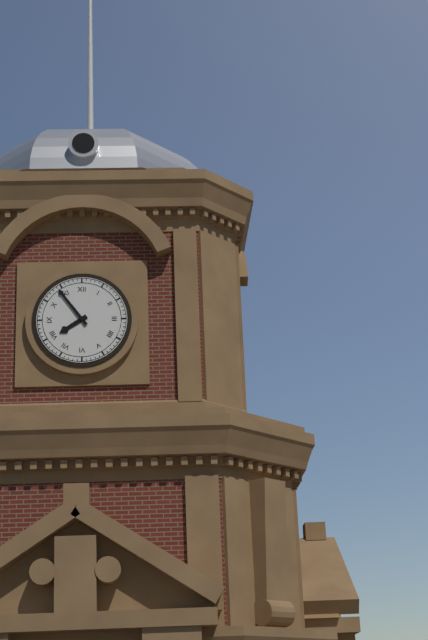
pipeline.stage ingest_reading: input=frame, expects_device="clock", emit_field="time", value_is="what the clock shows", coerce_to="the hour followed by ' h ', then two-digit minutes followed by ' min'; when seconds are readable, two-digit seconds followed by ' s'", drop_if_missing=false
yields 7 h 54 min
